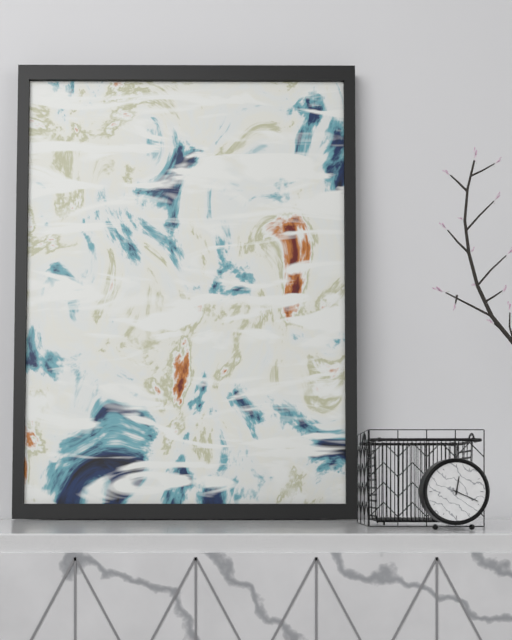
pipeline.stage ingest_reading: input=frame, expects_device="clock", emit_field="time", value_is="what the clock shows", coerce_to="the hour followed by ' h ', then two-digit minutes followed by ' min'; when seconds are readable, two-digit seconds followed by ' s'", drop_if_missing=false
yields 12 h 19 min
